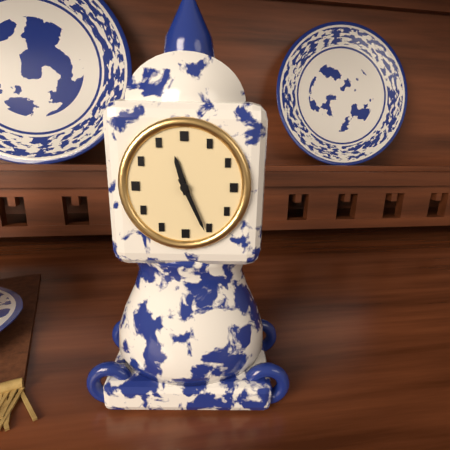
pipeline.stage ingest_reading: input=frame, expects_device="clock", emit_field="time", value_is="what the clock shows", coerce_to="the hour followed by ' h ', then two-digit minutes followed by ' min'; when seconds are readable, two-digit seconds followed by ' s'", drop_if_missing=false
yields 11 h 26 min
